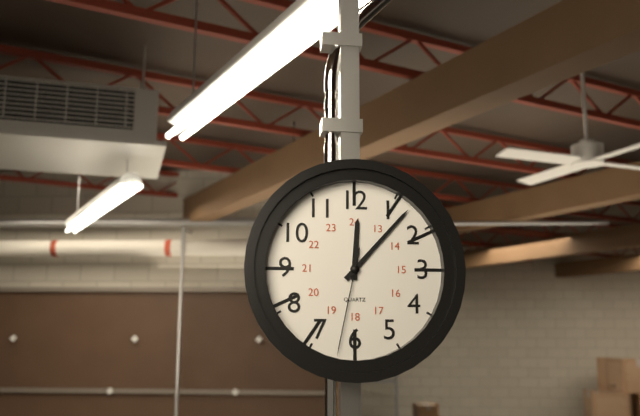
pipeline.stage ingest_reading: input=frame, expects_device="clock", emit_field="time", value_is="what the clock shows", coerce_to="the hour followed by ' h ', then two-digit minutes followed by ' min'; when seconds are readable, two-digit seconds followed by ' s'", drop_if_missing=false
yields 12 h 07 min 32 s
